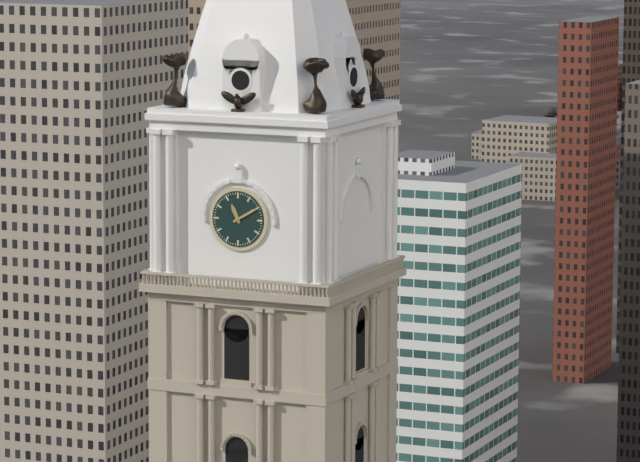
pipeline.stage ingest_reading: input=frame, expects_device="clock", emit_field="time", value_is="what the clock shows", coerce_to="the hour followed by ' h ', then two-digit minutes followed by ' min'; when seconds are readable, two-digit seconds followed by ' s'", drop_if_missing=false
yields 11 h 10 min
